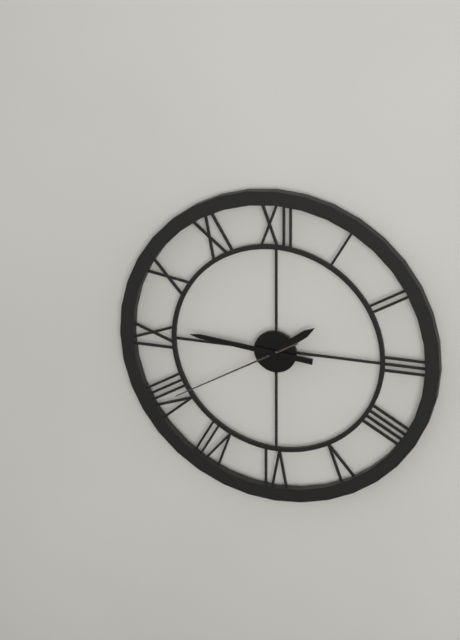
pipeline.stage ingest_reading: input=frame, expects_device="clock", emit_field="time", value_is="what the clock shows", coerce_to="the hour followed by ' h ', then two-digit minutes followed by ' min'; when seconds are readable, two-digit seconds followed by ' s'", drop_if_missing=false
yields 1 h 46 min 40 s
